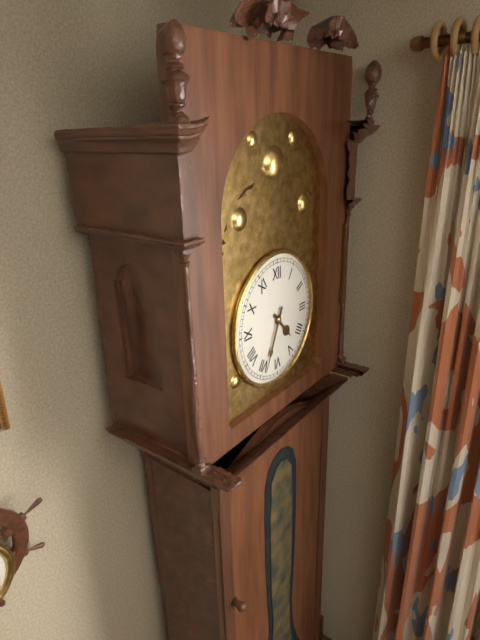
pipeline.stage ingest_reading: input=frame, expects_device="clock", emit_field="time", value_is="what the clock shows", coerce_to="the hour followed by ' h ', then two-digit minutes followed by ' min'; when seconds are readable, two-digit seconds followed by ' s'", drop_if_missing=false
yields 4 h 34 min
